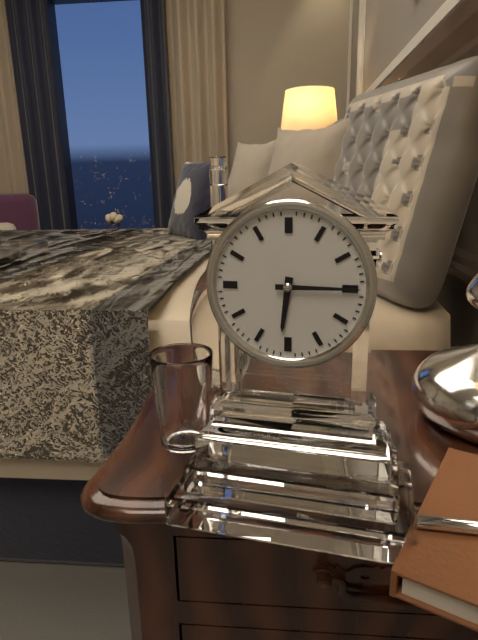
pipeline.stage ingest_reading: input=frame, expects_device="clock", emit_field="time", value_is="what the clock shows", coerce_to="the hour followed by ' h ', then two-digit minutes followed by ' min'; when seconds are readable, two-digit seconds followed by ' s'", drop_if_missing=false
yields 6 h 15 min
